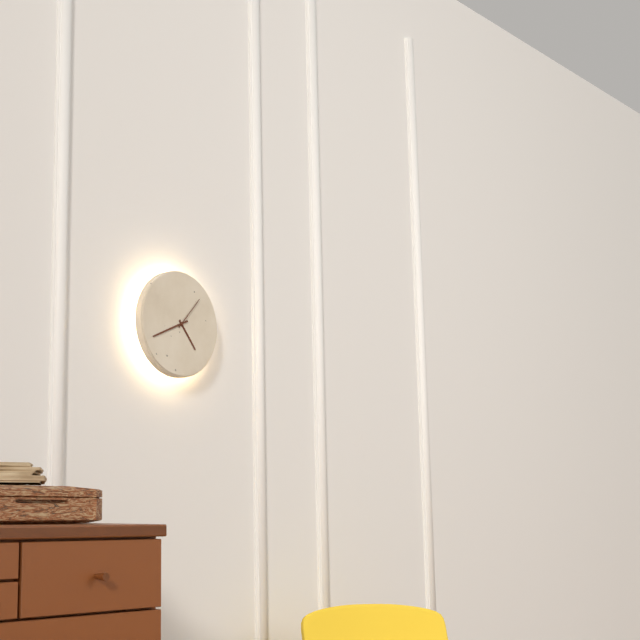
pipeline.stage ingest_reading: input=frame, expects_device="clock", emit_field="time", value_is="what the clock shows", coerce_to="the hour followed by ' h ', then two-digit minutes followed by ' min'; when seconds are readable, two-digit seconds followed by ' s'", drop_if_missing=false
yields 4 h 41 min
